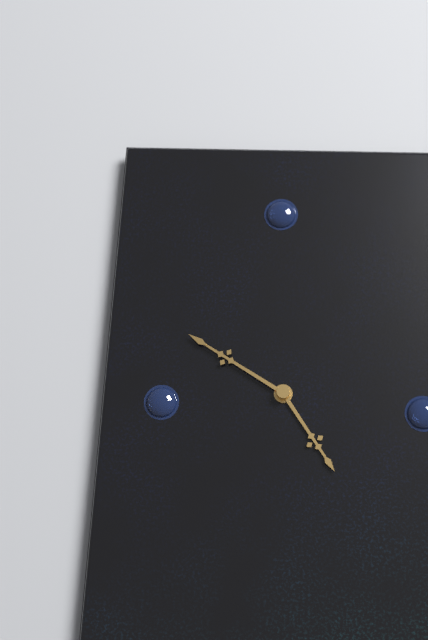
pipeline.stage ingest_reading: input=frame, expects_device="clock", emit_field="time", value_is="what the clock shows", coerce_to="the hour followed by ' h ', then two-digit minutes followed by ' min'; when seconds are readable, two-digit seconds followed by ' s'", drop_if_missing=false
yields 4 h 50 min
